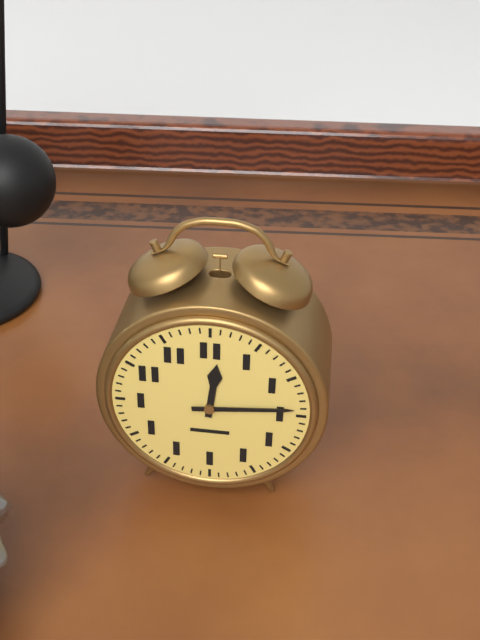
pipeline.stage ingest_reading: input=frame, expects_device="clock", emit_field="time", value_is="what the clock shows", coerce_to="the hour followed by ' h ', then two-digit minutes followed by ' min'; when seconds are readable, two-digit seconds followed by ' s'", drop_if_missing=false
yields 12 h 14 min
